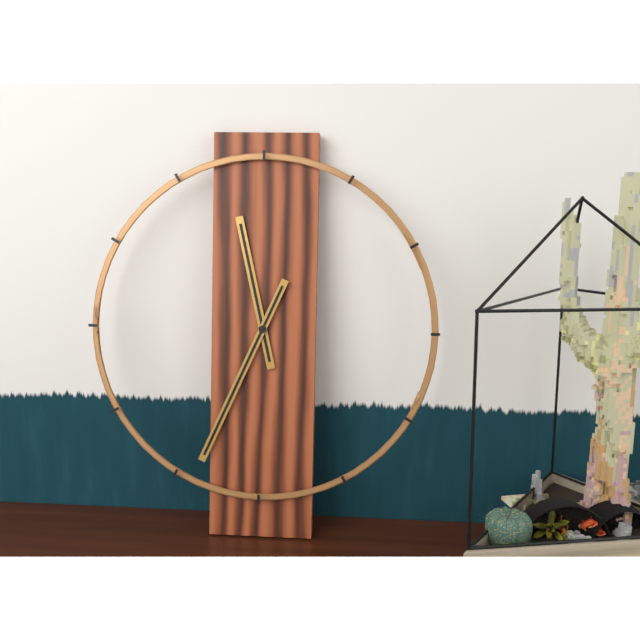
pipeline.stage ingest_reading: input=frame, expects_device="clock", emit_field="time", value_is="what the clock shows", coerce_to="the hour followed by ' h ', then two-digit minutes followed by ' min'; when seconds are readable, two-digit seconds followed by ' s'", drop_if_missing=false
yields 11 h 34 min
